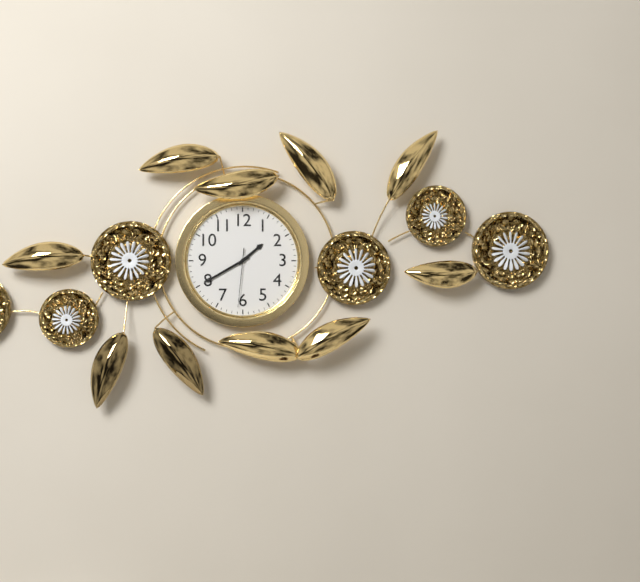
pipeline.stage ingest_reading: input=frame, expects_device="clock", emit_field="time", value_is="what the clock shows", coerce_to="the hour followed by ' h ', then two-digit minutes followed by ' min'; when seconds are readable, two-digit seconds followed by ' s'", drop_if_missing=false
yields 1 h 40 min 31 s
